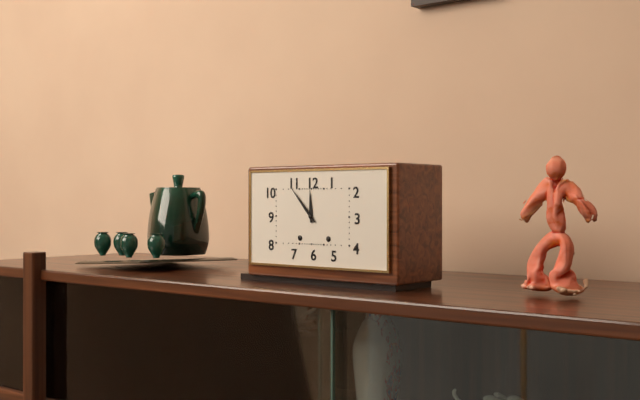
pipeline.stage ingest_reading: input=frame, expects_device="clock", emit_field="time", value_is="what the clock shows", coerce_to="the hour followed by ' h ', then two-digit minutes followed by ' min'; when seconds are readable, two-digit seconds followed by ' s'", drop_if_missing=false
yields 11 h 53 min
